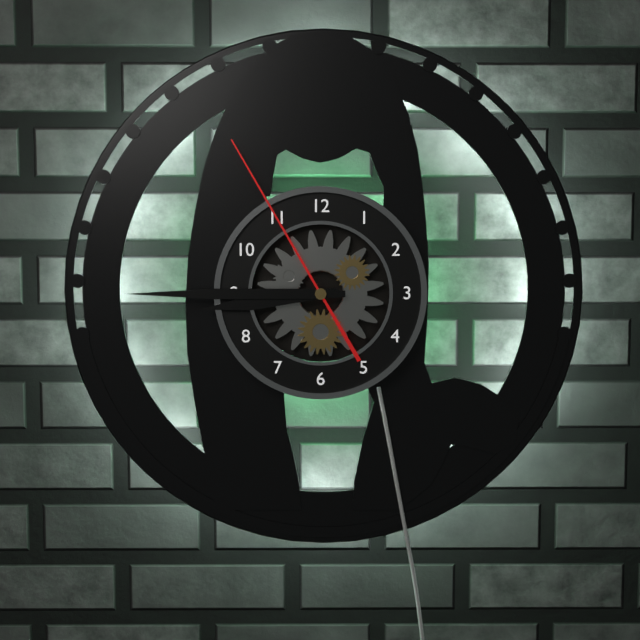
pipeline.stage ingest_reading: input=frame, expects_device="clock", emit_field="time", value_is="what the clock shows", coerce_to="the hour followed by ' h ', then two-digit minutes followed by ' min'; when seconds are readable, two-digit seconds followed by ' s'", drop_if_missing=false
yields 8 h 45 min 55 s
